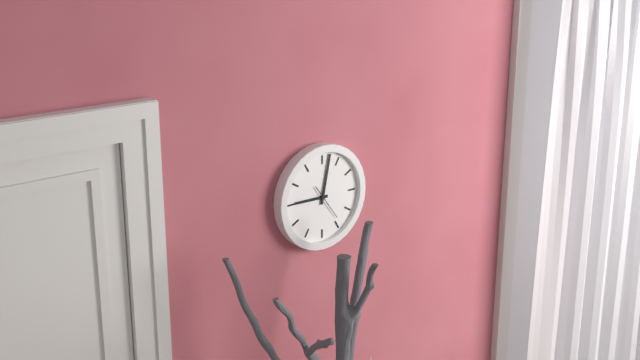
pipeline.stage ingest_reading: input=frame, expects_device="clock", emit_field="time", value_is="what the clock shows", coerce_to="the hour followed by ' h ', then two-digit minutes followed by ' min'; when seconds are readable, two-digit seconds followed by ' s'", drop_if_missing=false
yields 9 h 02 min
